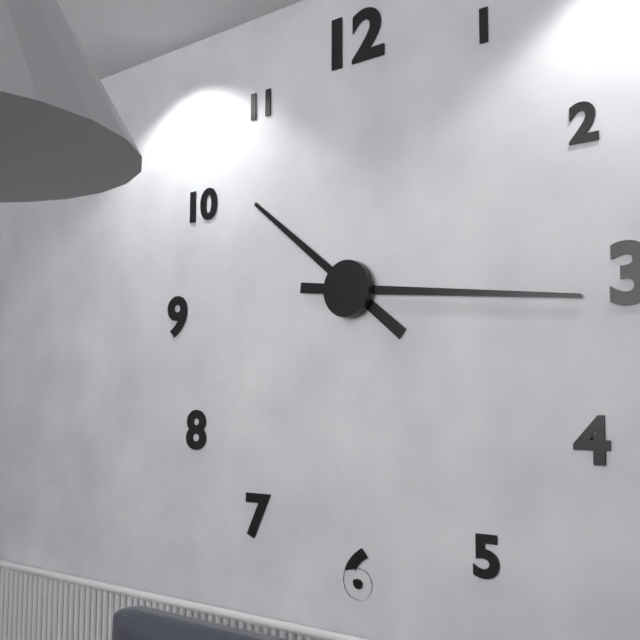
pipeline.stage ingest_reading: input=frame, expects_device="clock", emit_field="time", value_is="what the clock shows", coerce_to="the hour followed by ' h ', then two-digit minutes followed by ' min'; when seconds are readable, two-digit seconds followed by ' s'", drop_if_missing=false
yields 10 h 16 min
